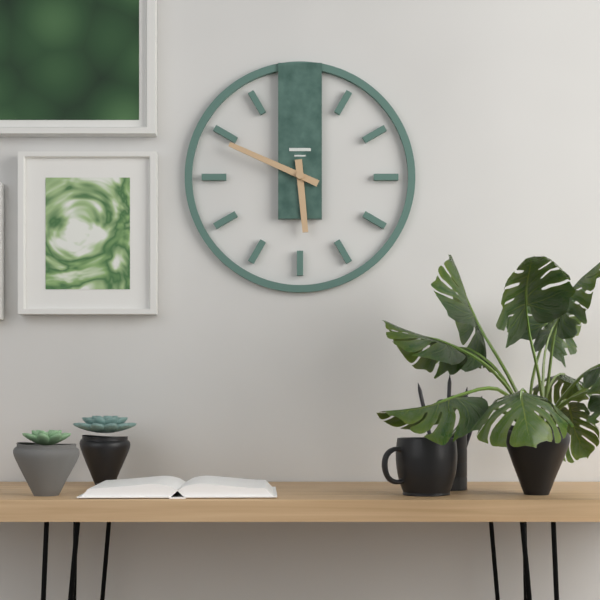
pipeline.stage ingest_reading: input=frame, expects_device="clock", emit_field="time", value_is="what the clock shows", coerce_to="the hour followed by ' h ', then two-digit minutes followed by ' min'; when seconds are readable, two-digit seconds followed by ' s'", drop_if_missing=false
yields 5 h 49 min
